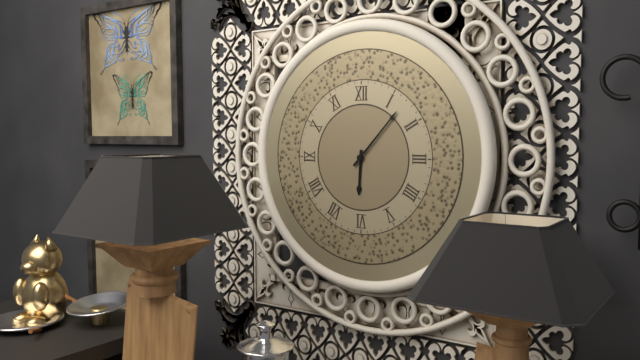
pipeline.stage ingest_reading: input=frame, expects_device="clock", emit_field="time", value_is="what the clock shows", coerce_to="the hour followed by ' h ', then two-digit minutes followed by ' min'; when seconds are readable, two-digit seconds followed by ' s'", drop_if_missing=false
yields 6 h 07 min
